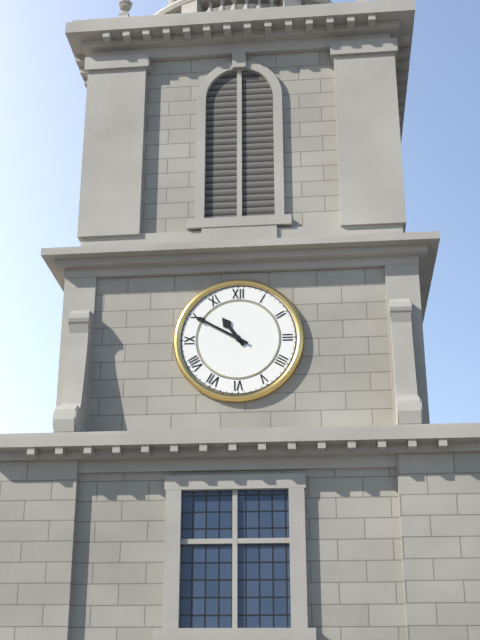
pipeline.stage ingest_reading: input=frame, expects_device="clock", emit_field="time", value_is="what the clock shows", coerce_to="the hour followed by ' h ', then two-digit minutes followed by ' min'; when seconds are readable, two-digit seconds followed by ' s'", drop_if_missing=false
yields 10 h 50 min
